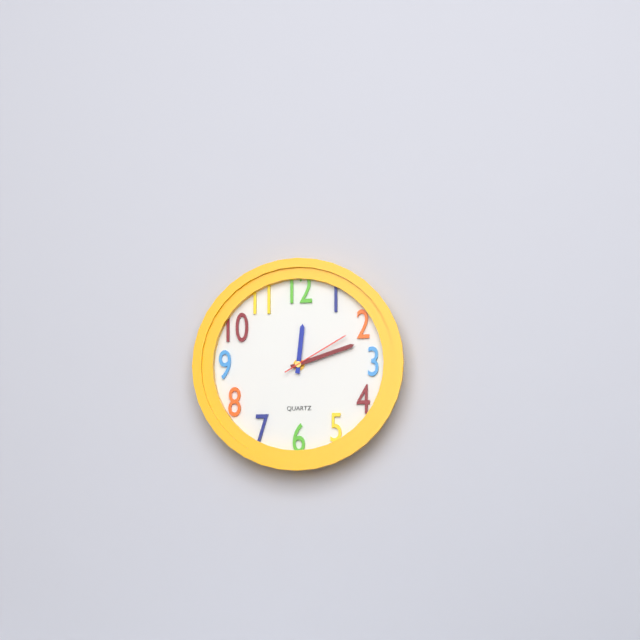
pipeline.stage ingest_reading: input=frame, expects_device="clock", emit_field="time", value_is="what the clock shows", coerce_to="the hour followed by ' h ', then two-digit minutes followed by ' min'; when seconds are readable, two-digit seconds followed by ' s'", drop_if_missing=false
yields 12 h 12 min 10 s
